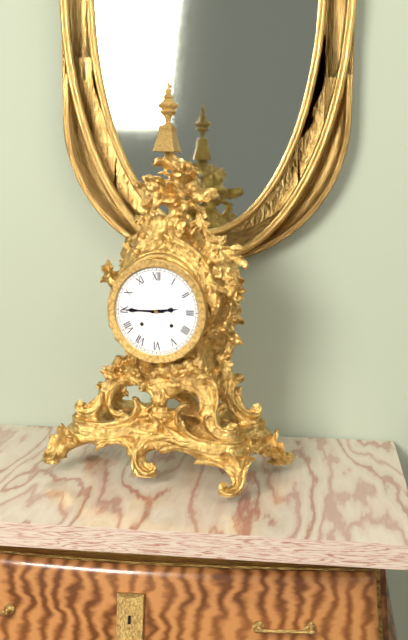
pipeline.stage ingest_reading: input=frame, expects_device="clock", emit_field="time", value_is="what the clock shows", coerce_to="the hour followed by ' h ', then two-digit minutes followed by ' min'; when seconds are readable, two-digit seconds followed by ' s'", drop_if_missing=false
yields 2 h 45 min
